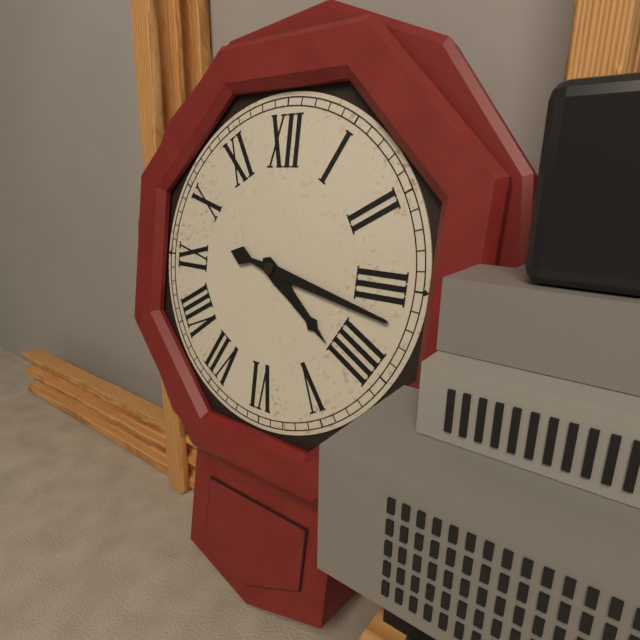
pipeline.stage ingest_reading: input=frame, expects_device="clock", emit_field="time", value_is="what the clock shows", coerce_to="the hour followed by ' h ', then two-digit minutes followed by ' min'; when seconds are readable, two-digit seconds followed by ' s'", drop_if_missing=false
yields 4 h 17 min
